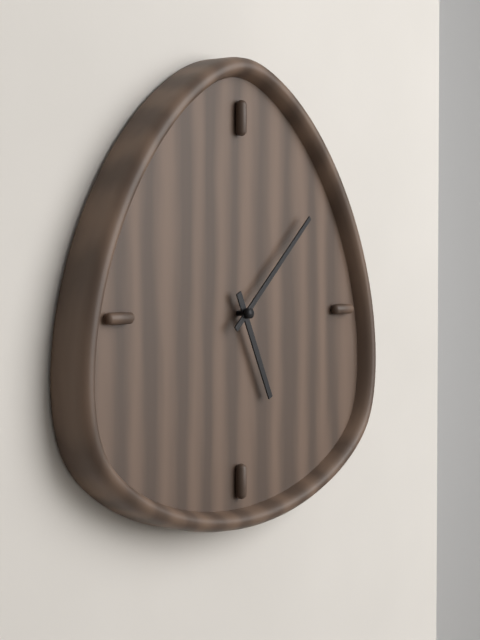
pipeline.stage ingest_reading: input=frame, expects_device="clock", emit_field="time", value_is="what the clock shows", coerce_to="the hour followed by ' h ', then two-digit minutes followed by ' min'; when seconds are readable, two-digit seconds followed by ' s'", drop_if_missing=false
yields 5 h 08 min
